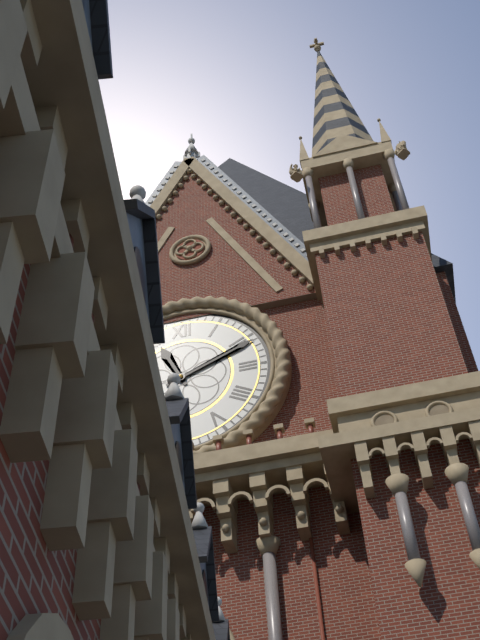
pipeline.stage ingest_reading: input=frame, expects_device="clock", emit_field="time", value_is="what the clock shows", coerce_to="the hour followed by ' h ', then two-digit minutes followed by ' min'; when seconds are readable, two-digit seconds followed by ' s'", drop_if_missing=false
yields 11 h 11 min
